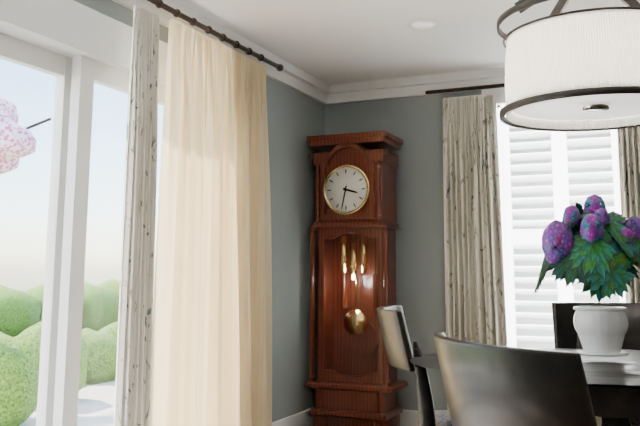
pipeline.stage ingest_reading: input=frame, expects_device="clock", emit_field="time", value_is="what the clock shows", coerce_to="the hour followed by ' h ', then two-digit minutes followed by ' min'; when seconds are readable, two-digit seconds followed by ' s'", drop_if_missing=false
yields 3 h 32 min
